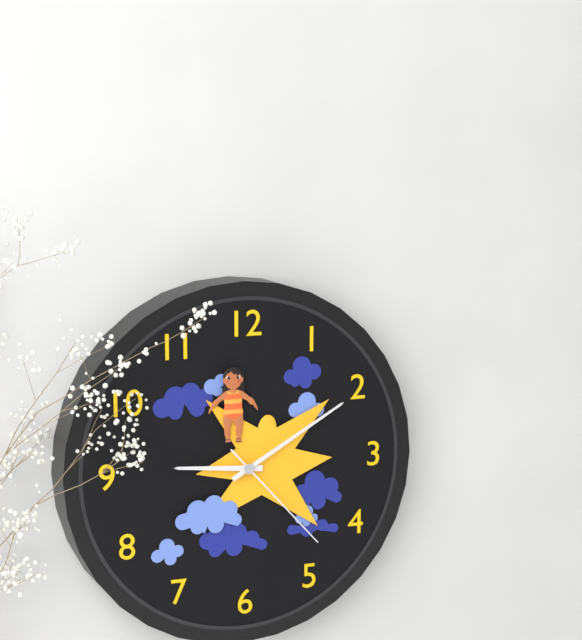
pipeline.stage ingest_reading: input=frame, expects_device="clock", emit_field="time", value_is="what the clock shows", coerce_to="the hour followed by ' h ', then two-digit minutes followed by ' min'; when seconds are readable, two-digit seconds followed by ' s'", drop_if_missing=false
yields 9 h 10 min 23 s
